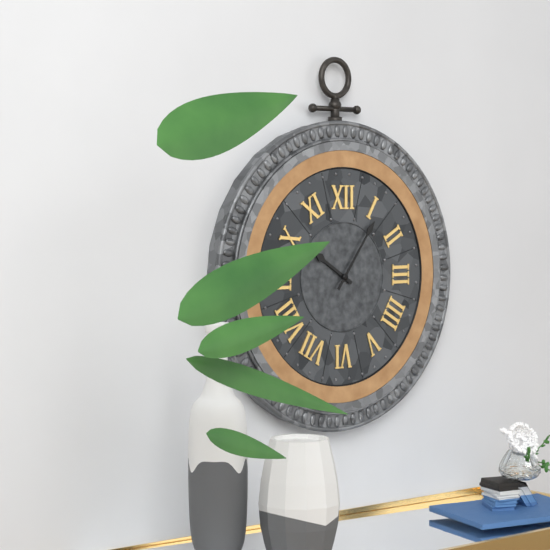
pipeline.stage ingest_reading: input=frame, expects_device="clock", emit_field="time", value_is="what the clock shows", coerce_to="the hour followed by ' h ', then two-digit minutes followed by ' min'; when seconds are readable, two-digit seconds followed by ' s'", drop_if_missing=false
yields 10 h 06 min
